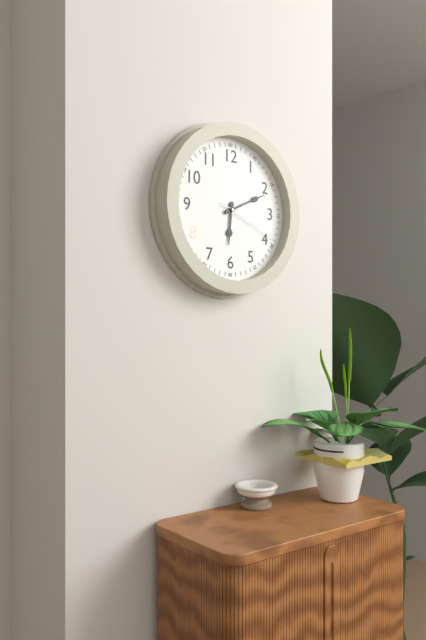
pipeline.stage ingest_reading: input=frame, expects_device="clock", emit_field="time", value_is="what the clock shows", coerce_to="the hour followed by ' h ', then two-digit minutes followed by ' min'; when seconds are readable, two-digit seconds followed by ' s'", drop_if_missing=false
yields 6 h 11 min 19 s
